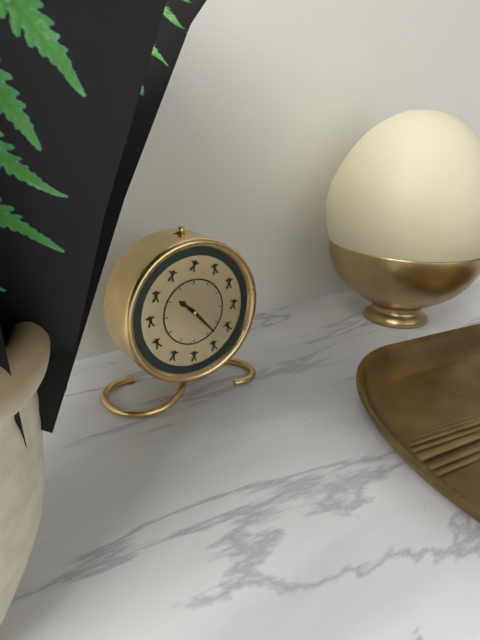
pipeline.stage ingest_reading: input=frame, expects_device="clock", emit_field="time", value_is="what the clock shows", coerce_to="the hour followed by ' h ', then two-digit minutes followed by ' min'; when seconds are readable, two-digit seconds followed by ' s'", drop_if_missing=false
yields 10 h 23 min
